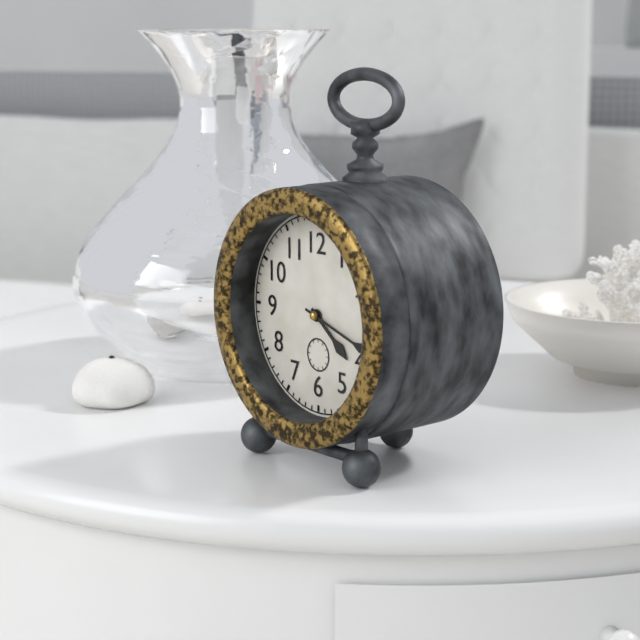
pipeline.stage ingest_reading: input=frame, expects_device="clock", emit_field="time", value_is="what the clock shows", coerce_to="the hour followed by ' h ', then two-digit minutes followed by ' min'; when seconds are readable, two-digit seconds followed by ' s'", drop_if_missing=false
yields 4 h 18 min
